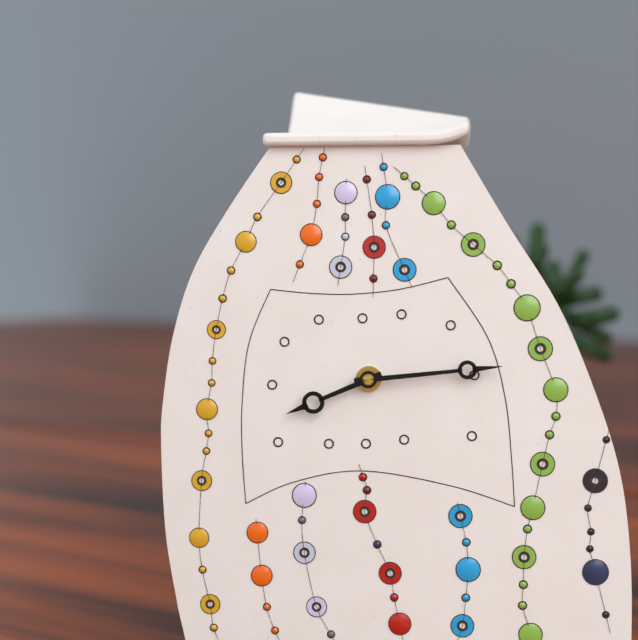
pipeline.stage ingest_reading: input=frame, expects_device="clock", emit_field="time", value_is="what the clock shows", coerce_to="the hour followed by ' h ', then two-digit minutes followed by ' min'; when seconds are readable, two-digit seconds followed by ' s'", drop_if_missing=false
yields 8 h 14 min
